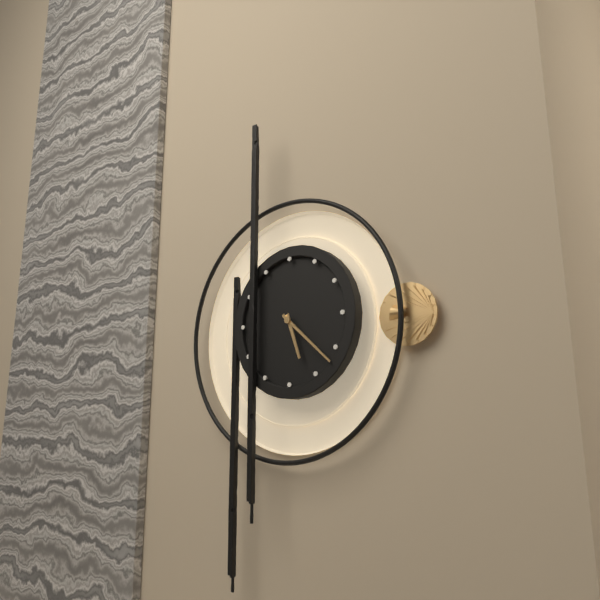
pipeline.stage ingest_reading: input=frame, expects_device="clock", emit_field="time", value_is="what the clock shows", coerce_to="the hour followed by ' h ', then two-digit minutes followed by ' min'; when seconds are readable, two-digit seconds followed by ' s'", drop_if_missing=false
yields 5 h 22 min
